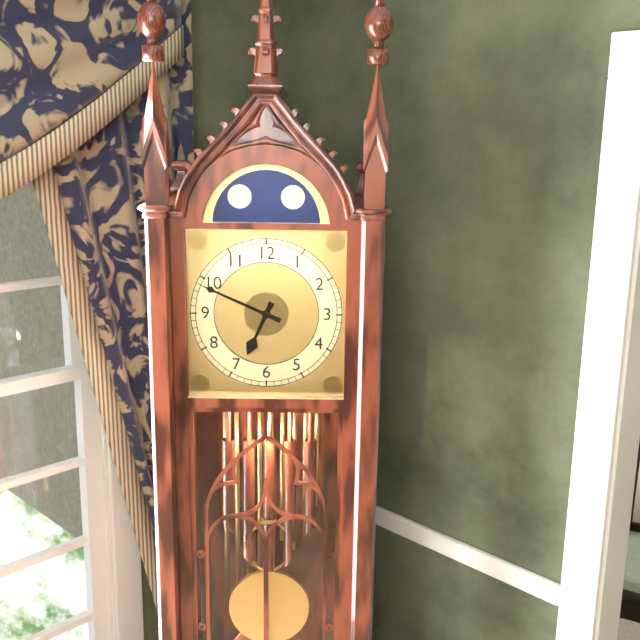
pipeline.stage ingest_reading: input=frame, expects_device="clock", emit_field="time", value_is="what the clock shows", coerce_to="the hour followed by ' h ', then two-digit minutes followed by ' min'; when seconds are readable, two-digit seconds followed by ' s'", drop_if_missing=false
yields 6 h 49 min
